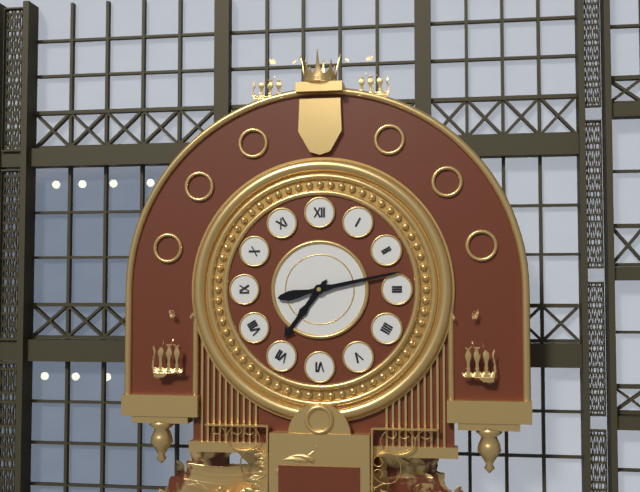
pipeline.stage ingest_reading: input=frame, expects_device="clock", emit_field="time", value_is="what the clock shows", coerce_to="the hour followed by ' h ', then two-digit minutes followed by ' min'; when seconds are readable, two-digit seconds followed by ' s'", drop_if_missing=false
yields 7 h 13 min
